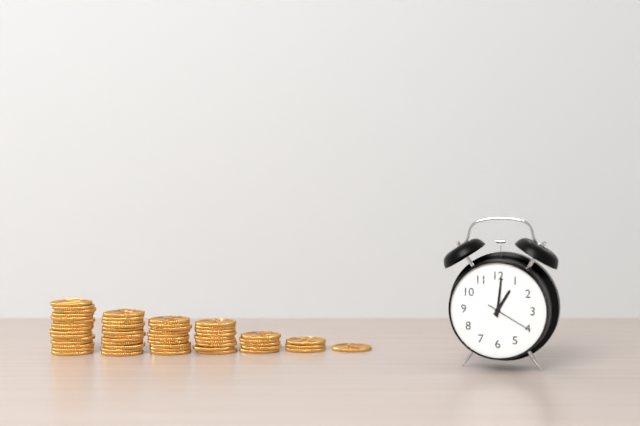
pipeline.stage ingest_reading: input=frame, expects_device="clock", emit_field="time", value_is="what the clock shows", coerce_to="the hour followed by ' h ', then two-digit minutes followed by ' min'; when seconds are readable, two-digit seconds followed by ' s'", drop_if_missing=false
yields 1 h 01 min
